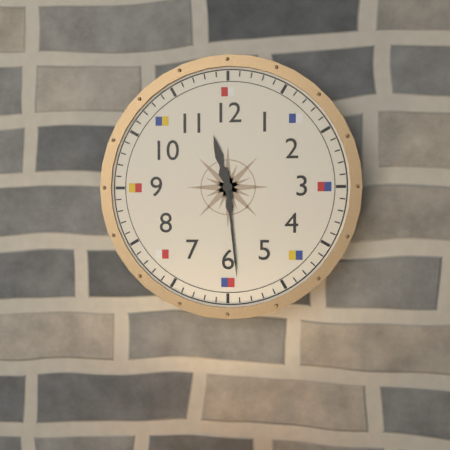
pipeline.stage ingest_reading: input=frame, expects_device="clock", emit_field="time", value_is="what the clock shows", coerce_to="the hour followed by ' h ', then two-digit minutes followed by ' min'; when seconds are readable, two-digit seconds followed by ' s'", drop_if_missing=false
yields 11 h 29 min
